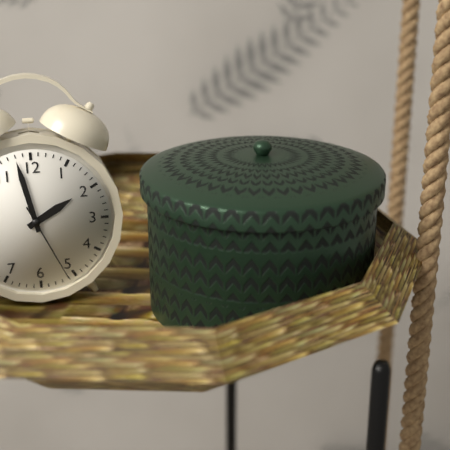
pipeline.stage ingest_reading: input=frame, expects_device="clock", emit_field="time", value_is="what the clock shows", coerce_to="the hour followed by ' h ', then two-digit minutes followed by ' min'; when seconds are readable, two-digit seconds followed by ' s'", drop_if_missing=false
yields 1 h 58 min 26 s
